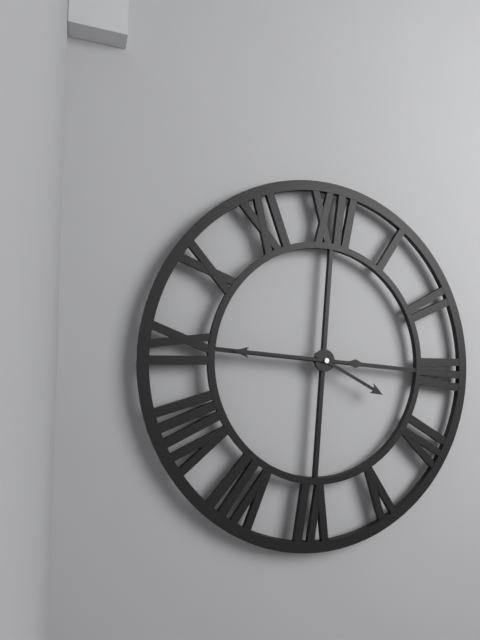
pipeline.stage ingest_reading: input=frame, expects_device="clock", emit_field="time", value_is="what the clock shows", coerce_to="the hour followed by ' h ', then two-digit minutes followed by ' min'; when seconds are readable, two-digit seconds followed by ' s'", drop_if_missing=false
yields 3 h 45 min
